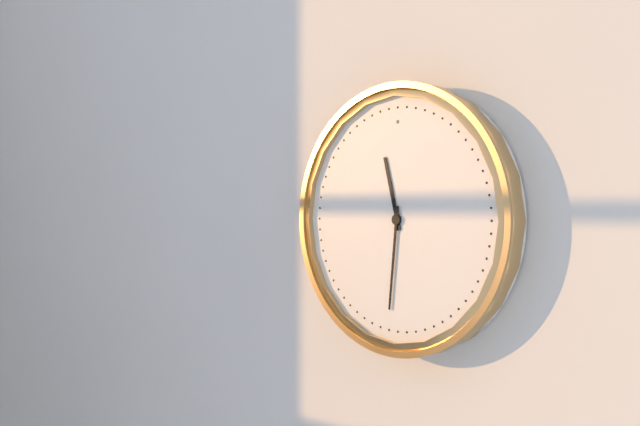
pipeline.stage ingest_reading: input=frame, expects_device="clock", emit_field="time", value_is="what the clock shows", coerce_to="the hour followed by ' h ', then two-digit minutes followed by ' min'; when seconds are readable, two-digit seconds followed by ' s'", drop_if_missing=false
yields 11 h 31 min
